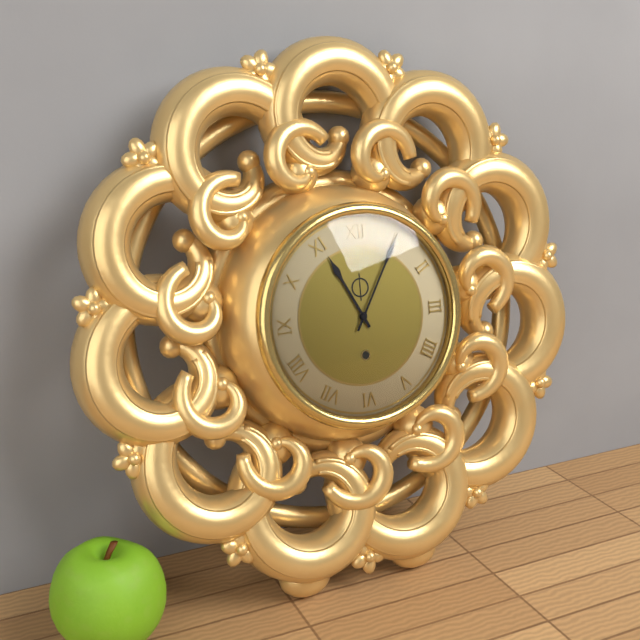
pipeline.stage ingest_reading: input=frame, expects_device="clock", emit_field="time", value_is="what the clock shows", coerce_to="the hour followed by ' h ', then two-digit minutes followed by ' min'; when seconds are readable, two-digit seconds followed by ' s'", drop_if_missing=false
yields 11 h 05 min
